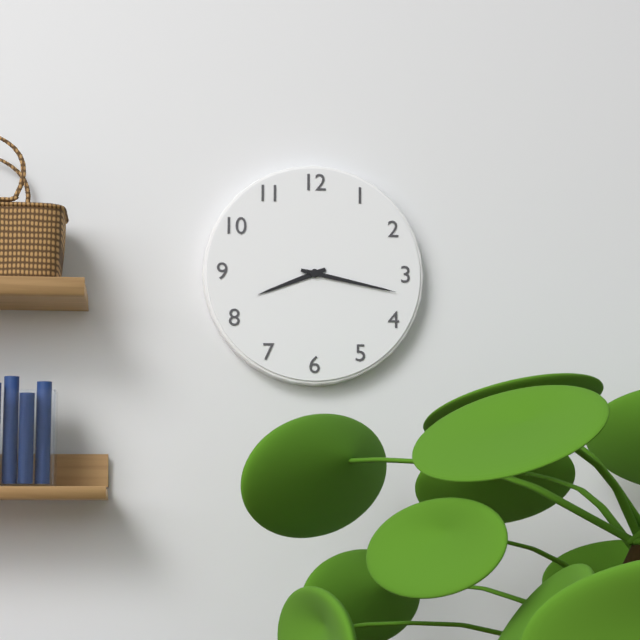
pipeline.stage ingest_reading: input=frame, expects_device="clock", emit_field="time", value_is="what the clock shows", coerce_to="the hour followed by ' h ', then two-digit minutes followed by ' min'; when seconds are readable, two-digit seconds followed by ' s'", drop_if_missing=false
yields 8 h 17 min
